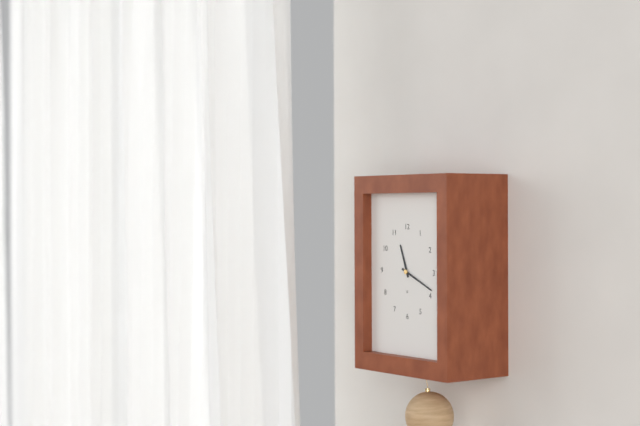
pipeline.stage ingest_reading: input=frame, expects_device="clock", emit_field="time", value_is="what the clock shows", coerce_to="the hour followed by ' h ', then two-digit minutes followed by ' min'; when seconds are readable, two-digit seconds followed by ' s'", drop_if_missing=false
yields 11 h 19 min
